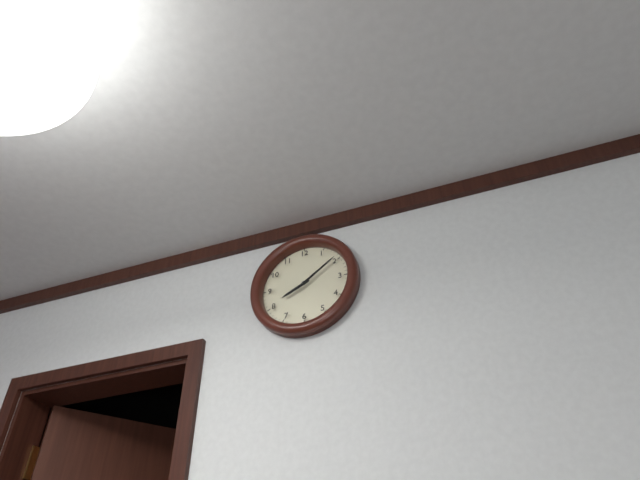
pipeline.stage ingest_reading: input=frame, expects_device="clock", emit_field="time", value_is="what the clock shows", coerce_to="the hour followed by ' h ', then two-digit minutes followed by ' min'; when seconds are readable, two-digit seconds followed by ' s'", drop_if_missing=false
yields 8 h 09 min
